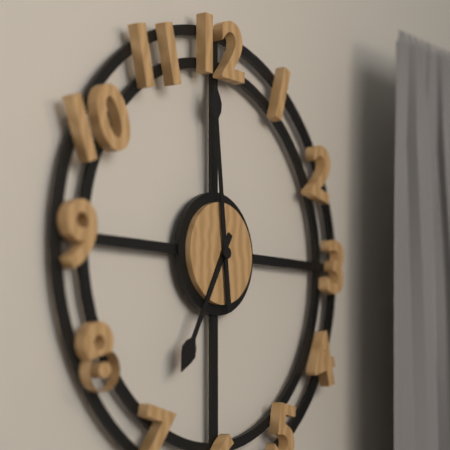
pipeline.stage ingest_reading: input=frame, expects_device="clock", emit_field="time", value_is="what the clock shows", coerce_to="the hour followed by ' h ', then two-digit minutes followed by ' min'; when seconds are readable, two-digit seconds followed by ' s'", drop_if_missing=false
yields 6 h 59 min
